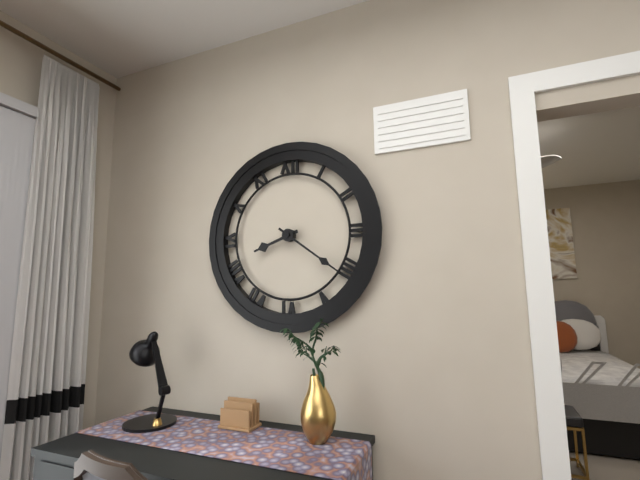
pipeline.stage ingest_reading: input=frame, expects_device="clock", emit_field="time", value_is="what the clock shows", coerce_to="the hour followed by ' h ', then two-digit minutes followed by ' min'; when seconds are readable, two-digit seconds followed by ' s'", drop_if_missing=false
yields 8 h 21 min
